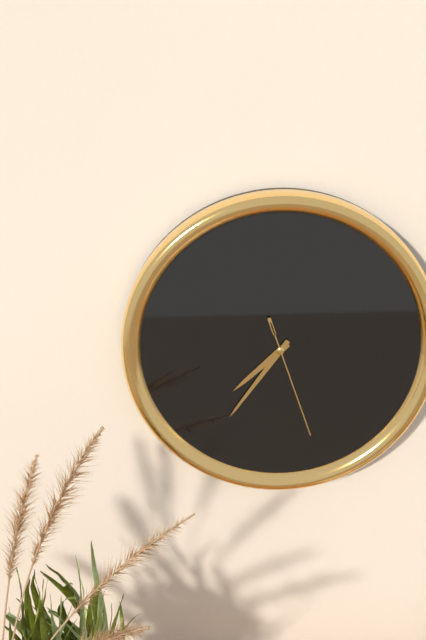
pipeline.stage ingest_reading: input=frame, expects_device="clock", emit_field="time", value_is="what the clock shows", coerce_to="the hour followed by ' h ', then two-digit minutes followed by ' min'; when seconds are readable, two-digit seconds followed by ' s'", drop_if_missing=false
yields 7 h 36 min 27 s
